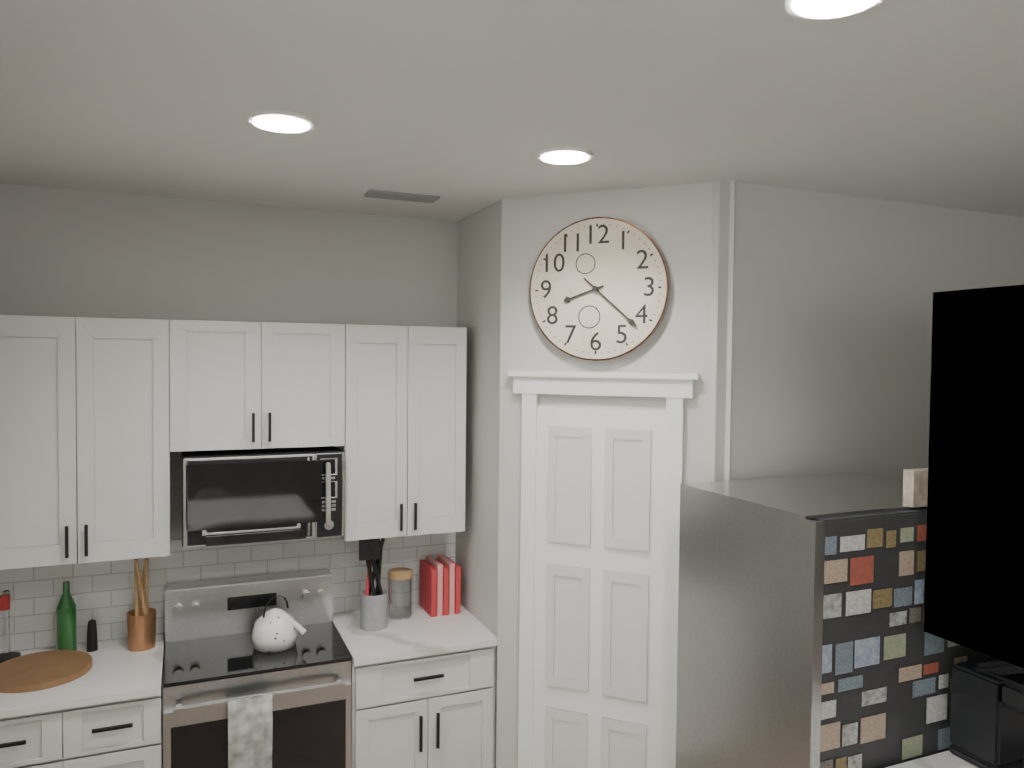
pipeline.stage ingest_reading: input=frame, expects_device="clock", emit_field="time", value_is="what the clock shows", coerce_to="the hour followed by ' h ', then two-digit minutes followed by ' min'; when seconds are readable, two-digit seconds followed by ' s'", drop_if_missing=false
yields 8 h 22 min
